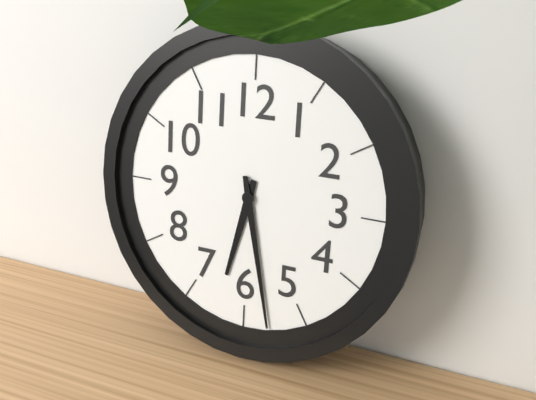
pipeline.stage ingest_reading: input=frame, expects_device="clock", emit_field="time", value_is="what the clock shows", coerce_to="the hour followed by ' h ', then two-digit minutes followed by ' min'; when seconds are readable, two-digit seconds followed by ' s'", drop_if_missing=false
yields 6 h 28 min
